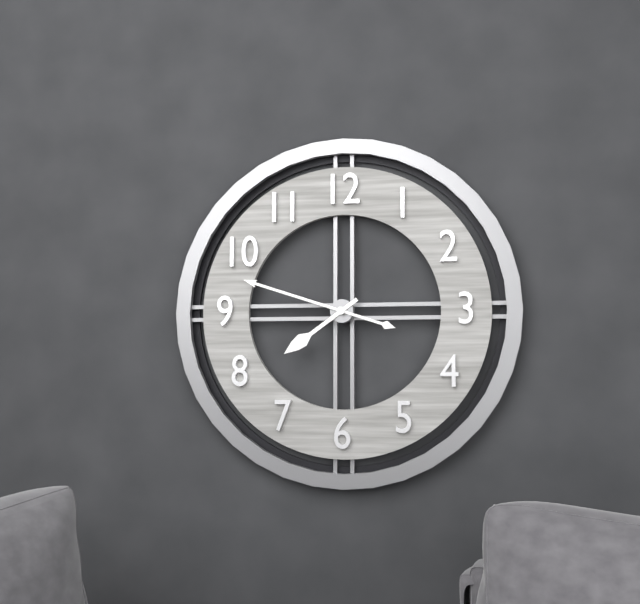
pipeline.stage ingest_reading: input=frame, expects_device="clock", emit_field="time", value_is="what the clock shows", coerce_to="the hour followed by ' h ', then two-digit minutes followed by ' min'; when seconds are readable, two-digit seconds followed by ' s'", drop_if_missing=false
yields 7 h 48 min
